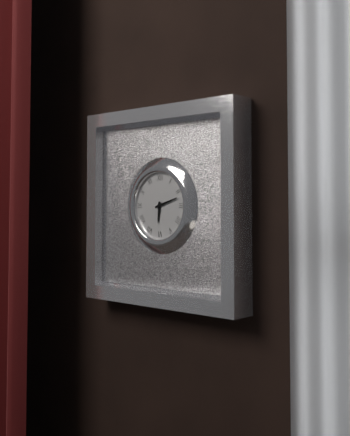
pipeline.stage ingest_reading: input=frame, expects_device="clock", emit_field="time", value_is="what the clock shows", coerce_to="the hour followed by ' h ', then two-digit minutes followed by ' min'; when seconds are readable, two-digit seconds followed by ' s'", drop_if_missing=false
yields 6 h 12 min
